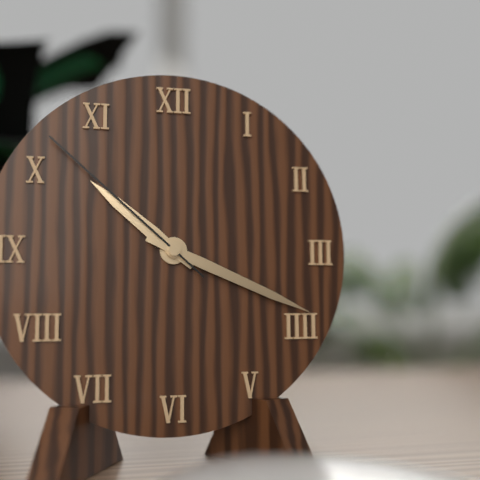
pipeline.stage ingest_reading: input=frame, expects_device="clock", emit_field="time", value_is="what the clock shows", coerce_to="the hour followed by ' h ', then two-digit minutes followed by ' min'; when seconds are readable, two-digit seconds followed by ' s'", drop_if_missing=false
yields 10 h 19 min 52 s
